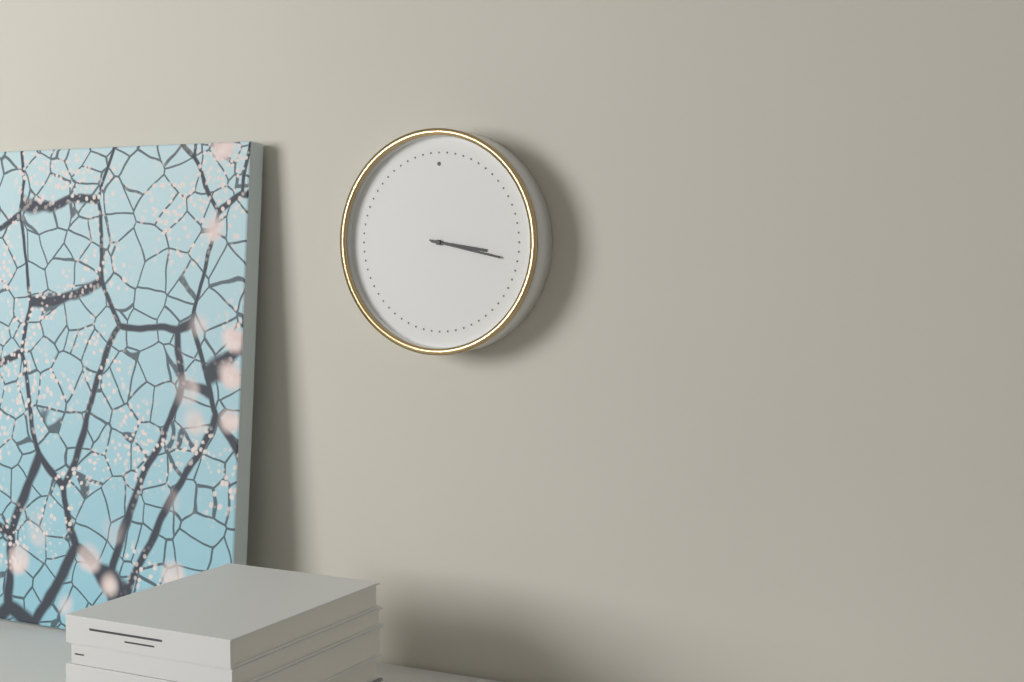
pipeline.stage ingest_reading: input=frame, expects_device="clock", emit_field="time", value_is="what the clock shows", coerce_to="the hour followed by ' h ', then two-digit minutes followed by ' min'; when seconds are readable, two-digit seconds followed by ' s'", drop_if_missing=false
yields 3 h 17 min
